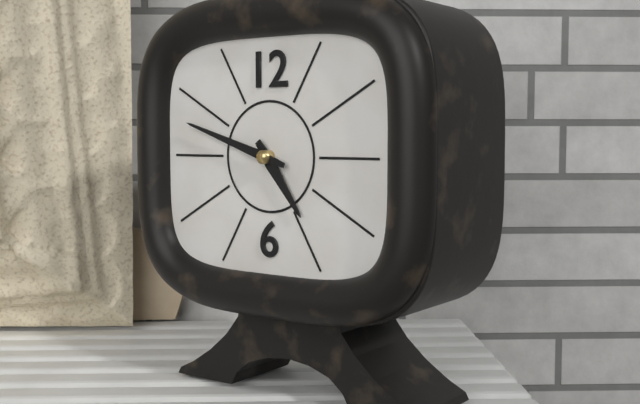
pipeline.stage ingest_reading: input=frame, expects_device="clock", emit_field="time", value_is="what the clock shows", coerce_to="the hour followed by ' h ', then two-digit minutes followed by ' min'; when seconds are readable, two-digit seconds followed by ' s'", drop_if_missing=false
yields 4 h 48 min
